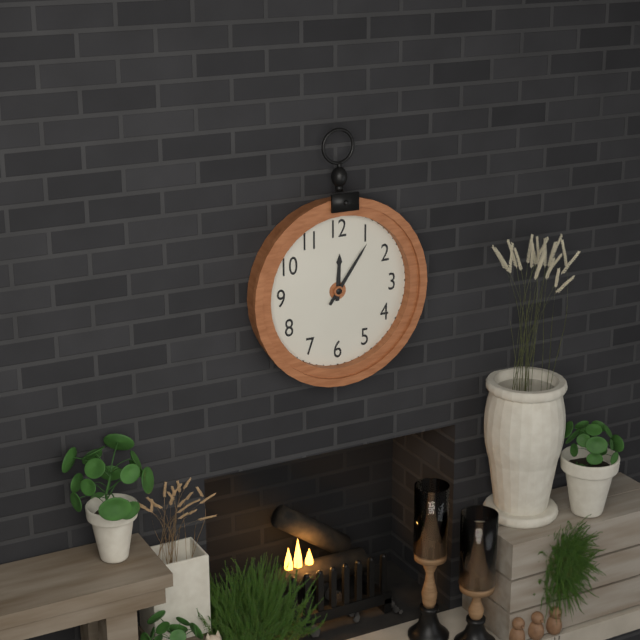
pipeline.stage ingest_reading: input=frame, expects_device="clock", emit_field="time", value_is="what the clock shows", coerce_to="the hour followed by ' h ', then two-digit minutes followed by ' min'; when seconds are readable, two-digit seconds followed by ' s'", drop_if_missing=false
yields 12 h 06 min
